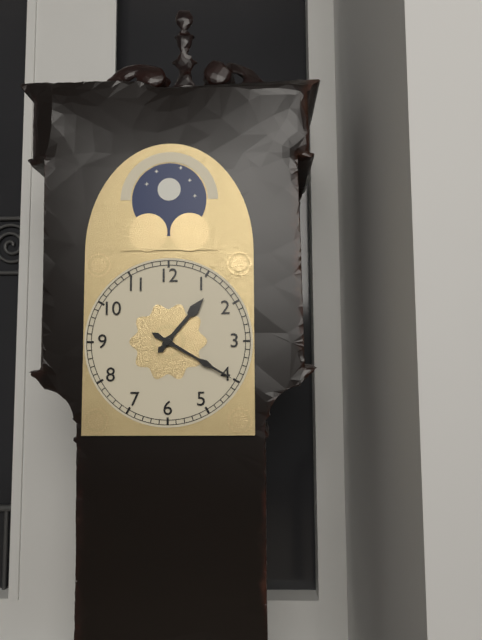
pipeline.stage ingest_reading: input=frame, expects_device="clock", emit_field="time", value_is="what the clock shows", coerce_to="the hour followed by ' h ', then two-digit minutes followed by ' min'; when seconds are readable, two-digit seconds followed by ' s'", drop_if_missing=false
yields 1 h 20 min
